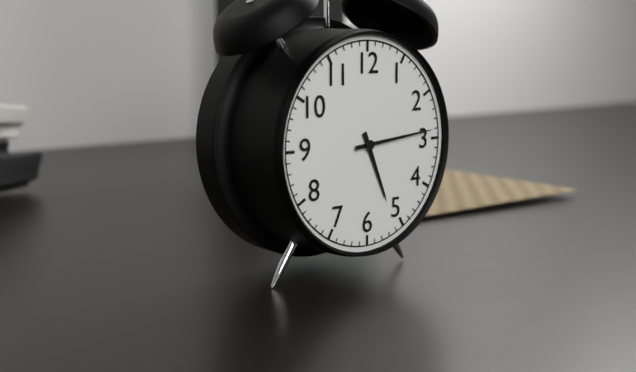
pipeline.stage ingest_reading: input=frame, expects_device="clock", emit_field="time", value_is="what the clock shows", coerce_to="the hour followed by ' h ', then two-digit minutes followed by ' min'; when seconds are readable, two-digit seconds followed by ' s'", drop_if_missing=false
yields 5 h 14 min
